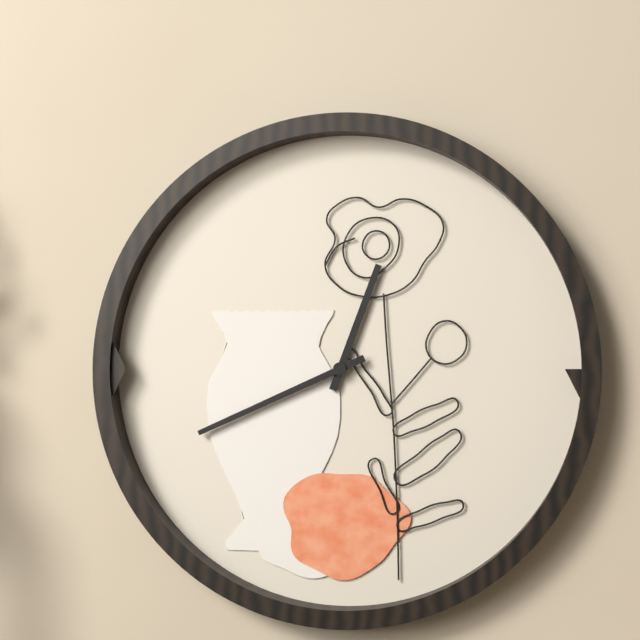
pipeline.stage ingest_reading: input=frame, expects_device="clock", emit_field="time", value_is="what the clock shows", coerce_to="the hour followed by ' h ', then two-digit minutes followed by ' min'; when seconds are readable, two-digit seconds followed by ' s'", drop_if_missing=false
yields 12 h 41 min
